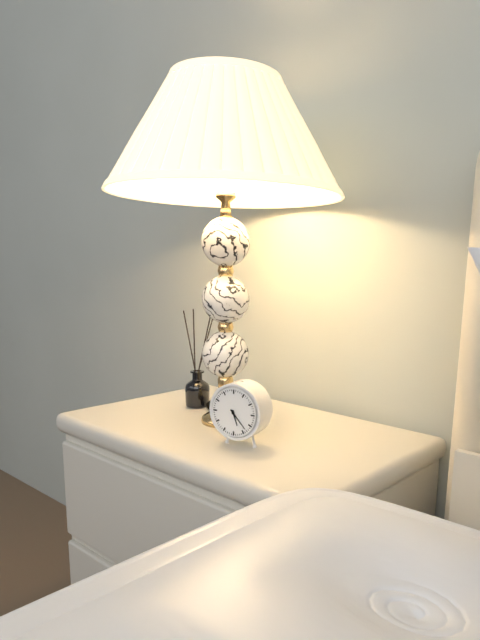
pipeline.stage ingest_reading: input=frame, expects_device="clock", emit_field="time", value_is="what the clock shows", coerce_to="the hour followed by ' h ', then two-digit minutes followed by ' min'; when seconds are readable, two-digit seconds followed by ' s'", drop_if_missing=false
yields 5 h 23 min
